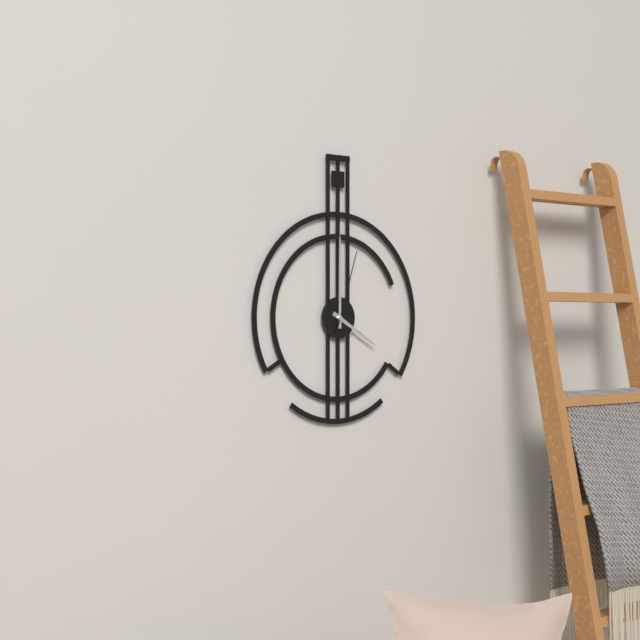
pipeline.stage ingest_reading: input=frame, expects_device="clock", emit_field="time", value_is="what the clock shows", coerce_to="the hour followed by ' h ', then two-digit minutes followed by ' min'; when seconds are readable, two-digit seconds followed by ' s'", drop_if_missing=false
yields 4 h 00 min 03 s
